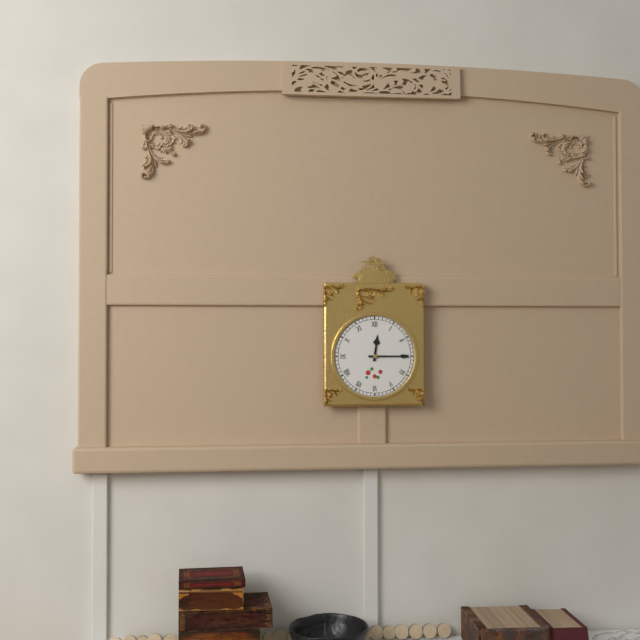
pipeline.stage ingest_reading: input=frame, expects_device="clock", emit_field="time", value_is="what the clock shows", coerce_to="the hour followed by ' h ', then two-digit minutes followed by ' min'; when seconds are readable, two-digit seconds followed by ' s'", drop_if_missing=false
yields 12 h 15 min
